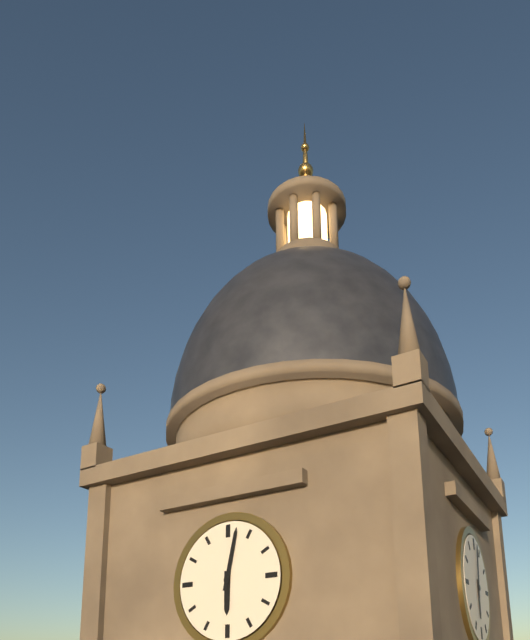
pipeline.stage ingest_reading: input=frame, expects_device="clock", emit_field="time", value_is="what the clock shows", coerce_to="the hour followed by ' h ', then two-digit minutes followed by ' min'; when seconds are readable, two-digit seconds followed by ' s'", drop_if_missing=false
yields 6 h 02 min
